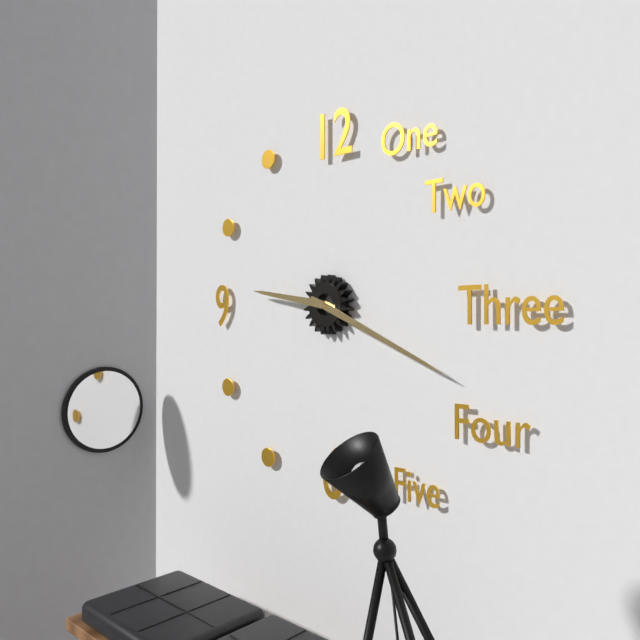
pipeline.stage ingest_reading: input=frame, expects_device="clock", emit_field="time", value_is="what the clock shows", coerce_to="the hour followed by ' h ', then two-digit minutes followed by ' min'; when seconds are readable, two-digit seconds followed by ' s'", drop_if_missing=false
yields 9 h 19 min
